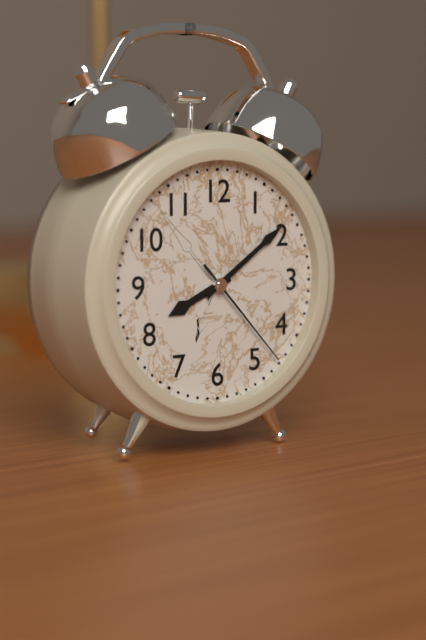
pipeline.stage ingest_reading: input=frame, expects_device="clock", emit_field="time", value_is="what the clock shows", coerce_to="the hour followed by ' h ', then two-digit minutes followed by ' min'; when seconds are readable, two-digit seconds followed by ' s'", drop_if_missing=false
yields 8 h 09 min 23 s
